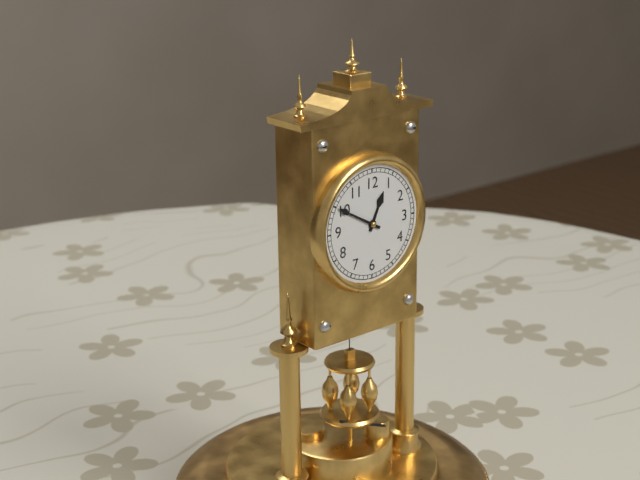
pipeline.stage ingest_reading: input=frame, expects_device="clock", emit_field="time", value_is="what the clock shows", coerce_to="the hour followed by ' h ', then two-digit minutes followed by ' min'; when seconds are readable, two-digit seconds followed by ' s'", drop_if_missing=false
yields 12 h 50 min
